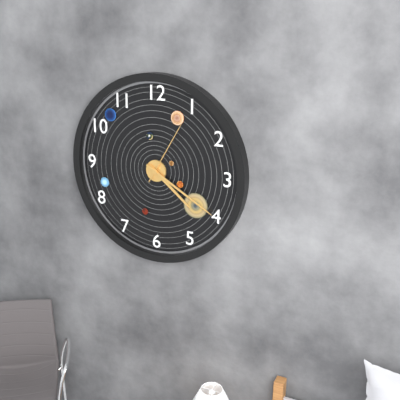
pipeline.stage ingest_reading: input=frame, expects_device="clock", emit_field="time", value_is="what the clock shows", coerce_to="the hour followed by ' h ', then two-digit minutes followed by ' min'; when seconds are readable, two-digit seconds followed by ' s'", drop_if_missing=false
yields 4 h 20 min 05 s
